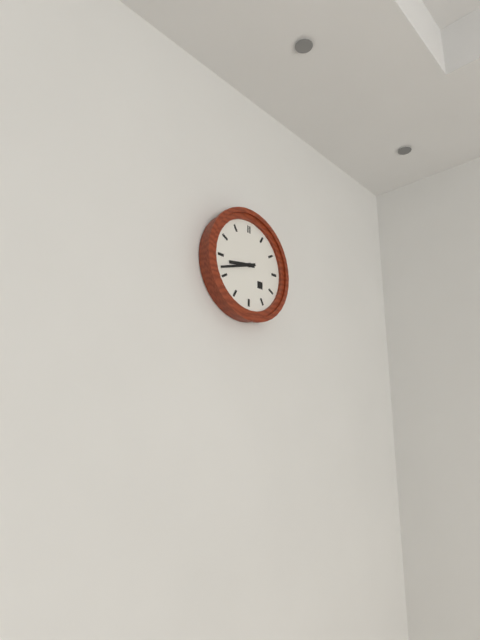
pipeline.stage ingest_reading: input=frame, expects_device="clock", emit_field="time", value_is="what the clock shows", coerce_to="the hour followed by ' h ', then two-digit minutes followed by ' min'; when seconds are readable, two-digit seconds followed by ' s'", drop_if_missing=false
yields 8 h 42 min
